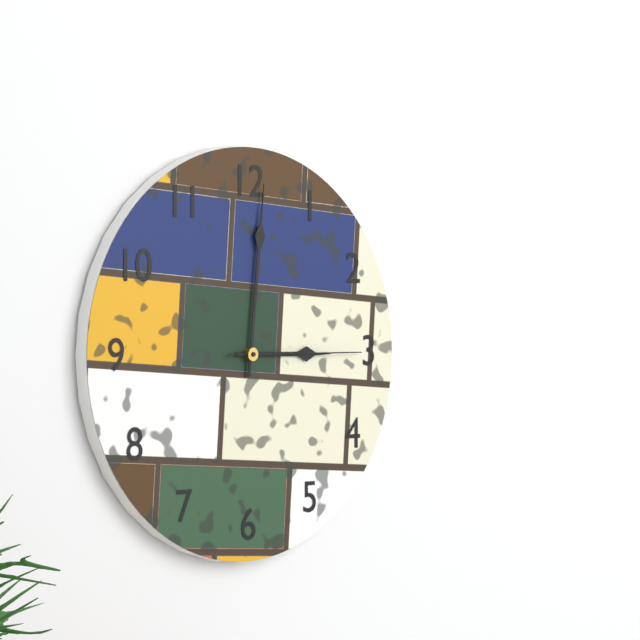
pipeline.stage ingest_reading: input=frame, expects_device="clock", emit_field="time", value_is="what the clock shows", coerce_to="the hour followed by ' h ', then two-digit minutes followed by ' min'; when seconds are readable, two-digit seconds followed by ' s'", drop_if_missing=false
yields 3 h 01 min 15 s
